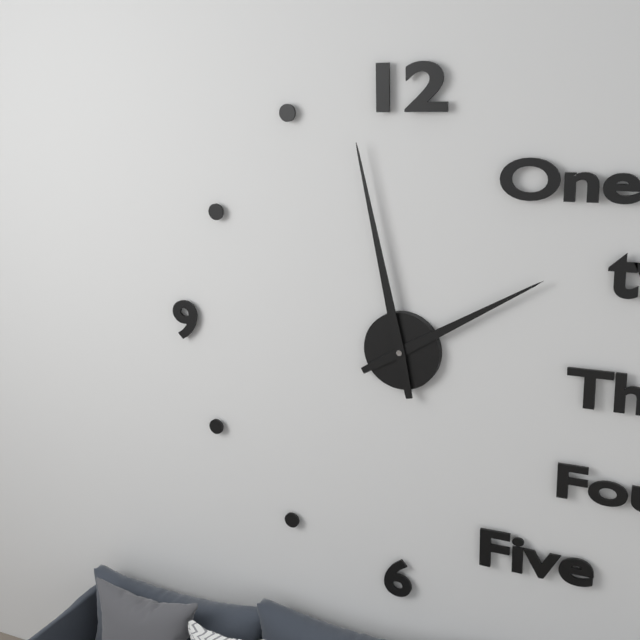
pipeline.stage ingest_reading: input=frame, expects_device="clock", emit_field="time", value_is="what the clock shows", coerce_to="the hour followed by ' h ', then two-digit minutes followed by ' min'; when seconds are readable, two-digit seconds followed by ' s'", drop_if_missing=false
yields 1 h 58 min
